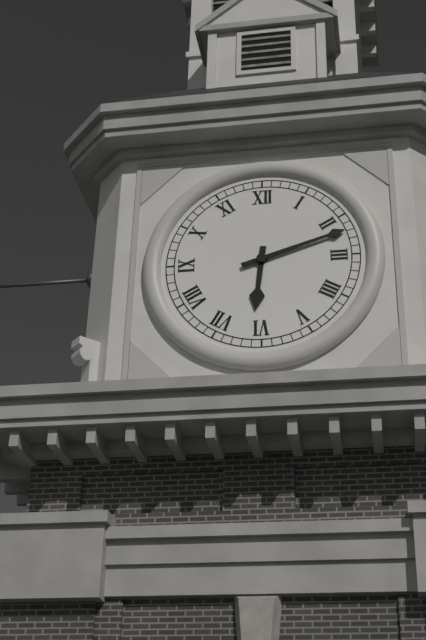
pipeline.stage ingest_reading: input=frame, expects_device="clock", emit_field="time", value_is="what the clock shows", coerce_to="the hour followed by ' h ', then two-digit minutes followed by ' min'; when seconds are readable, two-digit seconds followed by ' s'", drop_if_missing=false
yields 6 h 12 min
